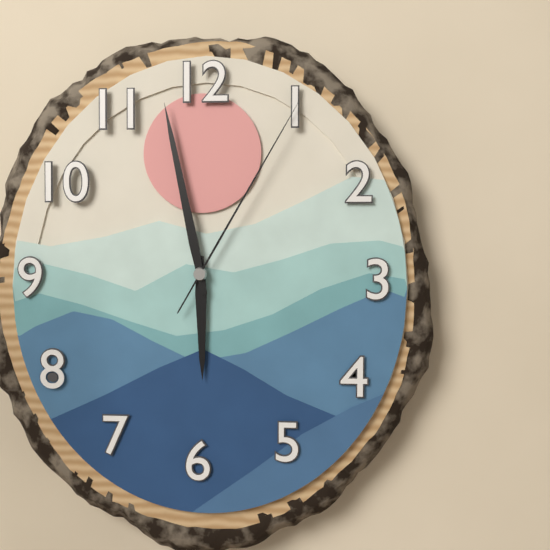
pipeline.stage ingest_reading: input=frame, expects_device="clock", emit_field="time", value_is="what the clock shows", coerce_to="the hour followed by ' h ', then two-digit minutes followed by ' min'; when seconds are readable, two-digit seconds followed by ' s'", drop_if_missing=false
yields 5 h 58 min 05 s
